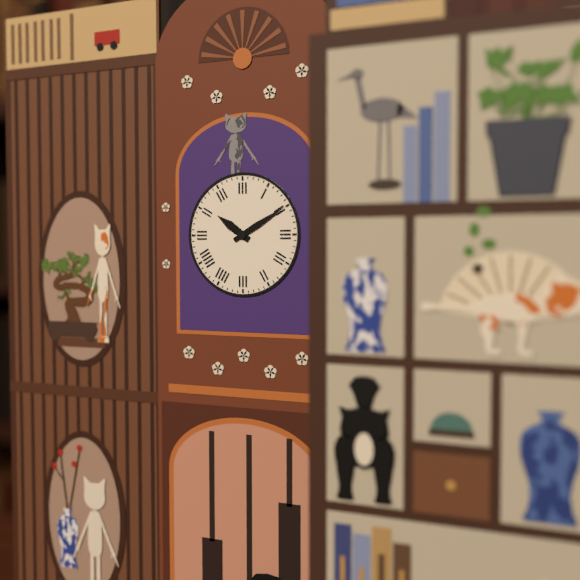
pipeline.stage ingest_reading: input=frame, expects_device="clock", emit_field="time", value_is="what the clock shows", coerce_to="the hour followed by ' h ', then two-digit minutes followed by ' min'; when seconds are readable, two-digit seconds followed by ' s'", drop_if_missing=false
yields 10 h 10 min
